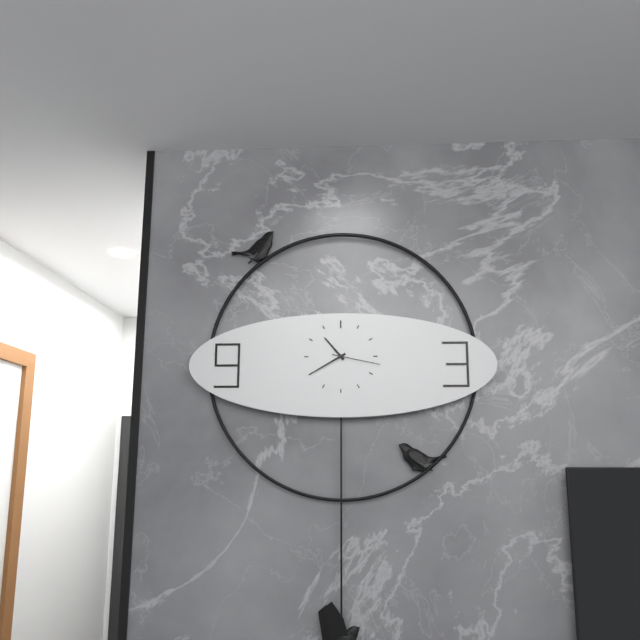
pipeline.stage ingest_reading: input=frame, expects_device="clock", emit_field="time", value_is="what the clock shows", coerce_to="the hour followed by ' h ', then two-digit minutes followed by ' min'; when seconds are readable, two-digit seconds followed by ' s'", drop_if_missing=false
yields 10 h 40 min 17 s
